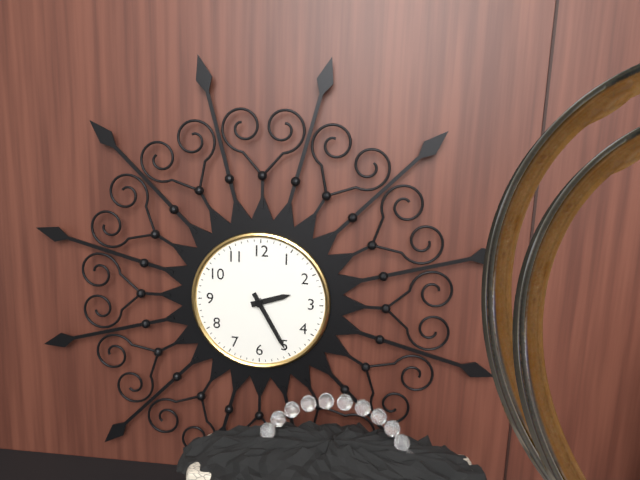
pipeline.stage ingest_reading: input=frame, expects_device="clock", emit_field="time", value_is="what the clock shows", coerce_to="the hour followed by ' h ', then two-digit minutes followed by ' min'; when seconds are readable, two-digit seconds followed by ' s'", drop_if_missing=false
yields 2 h 25 min
